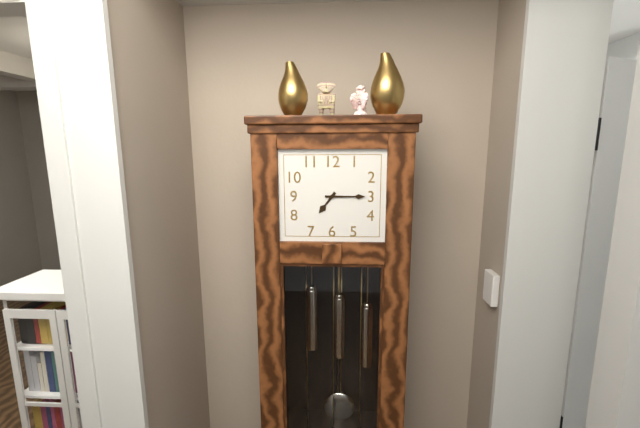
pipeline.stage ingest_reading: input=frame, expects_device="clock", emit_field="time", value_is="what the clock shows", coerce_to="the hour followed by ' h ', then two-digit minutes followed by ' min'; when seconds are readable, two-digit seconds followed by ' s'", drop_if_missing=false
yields 7 h 15 min
